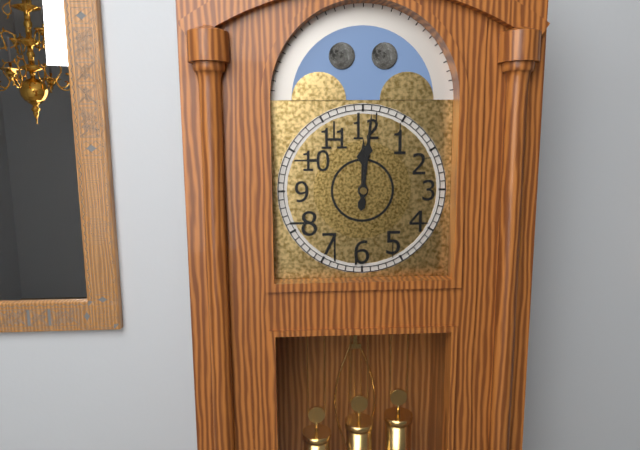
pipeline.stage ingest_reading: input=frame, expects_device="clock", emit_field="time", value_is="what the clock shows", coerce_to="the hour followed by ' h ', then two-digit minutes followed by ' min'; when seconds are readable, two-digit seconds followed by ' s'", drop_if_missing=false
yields 12 h 01 min
